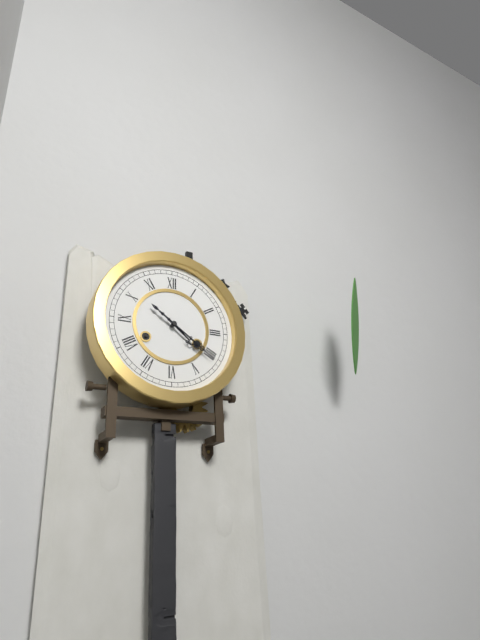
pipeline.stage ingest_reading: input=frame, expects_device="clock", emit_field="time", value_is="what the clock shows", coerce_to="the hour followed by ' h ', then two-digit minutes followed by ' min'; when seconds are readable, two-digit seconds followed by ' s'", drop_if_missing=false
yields 4 h 21 min
